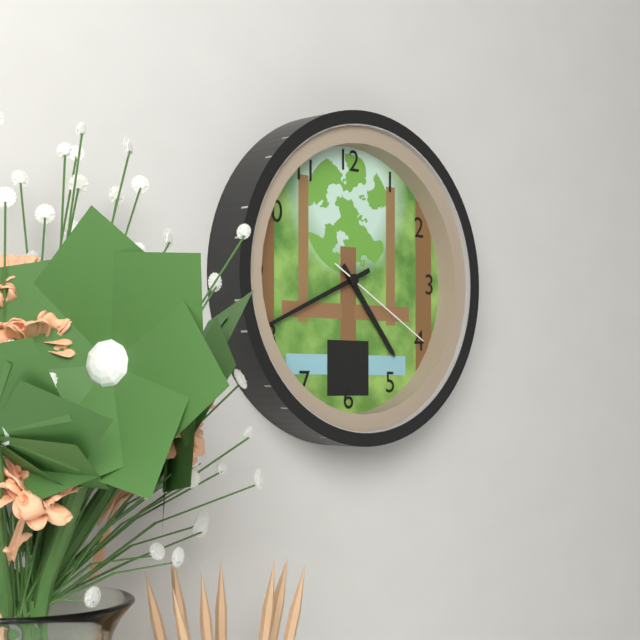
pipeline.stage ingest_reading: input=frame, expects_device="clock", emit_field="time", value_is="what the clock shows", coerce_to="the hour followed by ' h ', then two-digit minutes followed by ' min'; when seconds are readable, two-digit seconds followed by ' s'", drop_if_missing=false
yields 4 h 41 min 20 s
